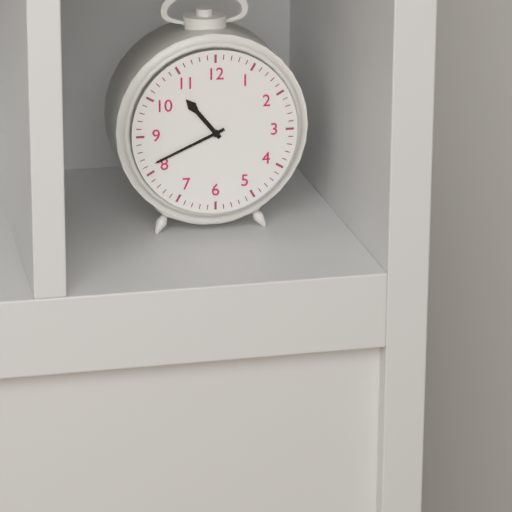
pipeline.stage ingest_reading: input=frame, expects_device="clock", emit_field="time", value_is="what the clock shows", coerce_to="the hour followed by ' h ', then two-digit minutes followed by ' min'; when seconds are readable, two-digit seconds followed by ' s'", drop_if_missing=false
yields 10 h 41 min
